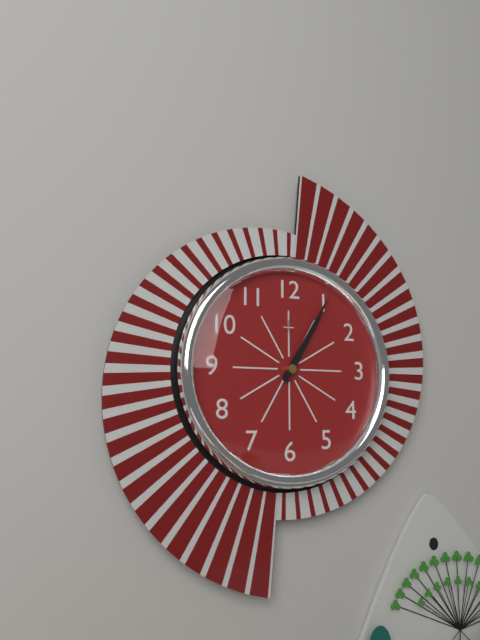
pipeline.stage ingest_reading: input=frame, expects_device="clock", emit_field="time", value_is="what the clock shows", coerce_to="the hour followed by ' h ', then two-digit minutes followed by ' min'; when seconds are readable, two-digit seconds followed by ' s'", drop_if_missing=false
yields 1 h 05 min
